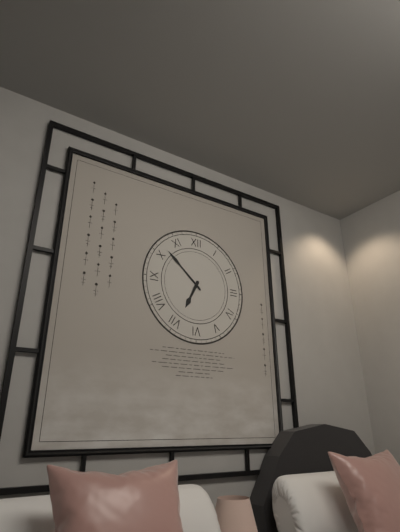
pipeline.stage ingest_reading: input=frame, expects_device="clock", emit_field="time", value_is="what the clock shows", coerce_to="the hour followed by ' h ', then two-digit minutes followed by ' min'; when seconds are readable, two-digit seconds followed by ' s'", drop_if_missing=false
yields 6 h 52 min
